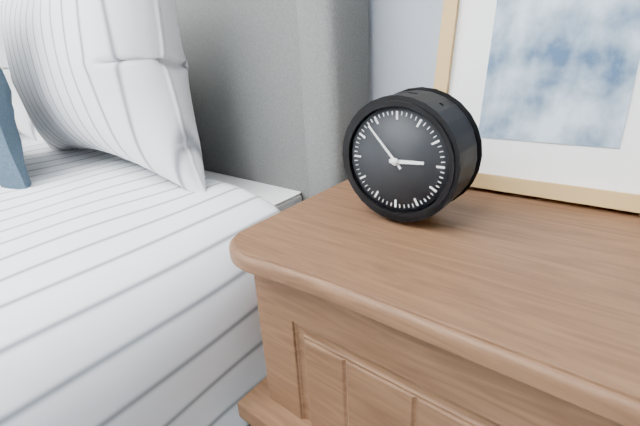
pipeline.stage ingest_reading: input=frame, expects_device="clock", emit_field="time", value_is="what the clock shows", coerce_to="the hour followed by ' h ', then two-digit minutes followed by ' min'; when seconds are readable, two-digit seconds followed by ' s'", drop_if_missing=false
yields 2 h 53 min
